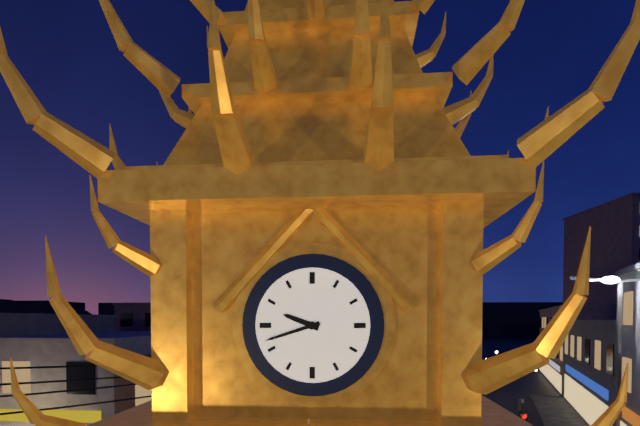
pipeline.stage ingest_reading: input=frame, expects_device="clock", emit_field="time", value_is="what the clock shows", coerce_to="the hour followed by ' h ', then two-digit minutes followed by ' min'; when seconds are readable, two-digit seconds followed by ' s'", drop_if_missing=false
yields 9 h 42 min
